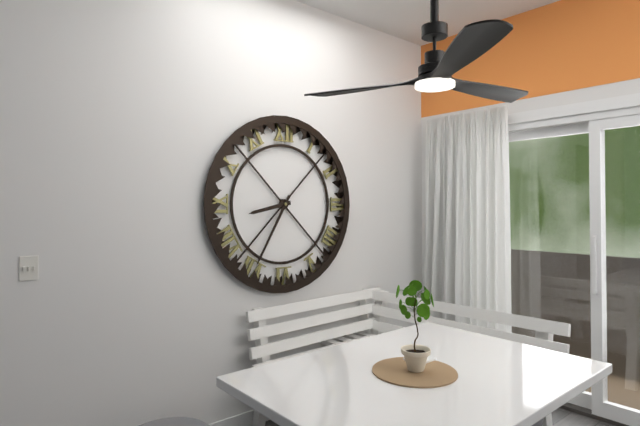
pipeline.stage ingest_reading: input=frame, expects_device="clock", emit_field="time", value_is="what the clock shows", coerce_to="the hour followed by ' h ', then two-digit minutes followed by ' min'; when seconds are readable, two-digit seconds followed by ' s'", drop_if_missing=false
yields 8 h 35 min
